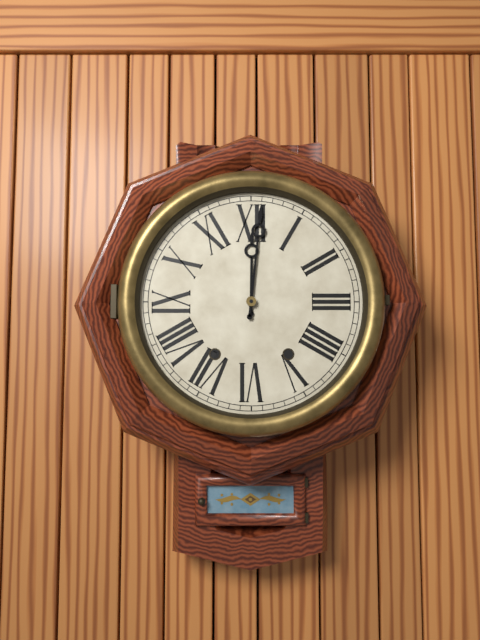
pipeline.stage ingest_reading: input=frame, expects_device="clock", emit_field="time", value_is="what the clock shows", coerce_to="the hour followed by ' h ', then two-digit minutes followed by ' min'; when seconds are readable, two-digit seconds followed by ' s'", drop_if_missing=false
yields 12 h 01 min
